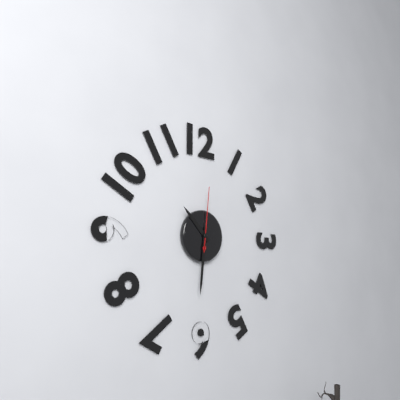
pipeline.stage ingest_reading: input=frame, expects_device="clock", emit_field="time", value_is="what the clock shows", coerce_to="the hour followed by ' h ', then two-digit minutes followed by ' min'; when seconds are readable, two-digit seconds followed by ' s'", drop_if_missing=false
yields 10 h 31 min 01 s
